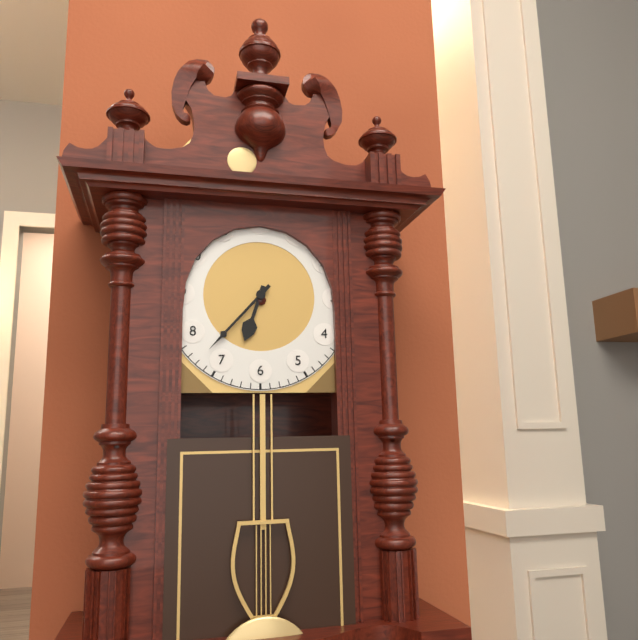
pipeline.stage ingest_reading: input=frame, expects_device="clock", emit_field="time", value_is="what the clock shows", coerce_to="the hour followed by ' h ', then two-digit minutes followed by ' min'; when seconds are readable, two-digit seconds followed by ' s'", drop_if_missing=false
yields 6 h 37 min
